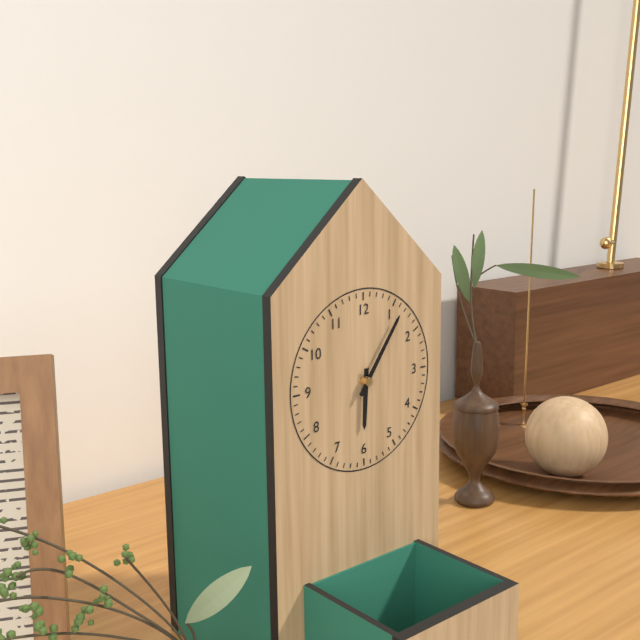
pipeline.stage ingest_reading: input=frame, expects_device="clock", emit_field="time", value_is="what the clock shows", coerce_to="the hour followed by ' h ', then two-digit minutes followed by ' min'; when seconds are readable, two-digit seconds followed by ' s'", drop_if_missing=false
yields 6 h 06 min
